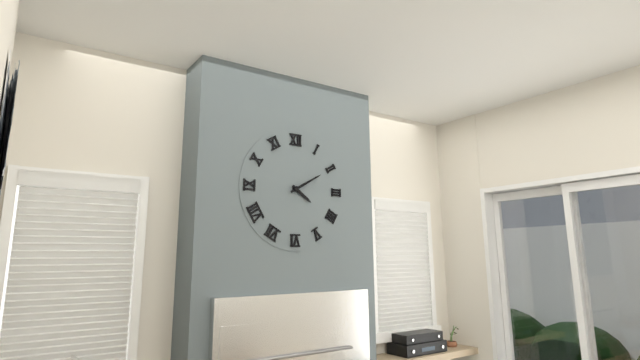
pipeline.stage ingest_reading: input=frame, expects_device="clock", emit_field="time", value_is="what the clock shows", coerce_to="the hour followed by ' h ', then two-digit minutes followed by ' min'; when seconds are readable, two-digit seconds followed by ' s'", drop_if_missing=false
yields 4 h 10 min
